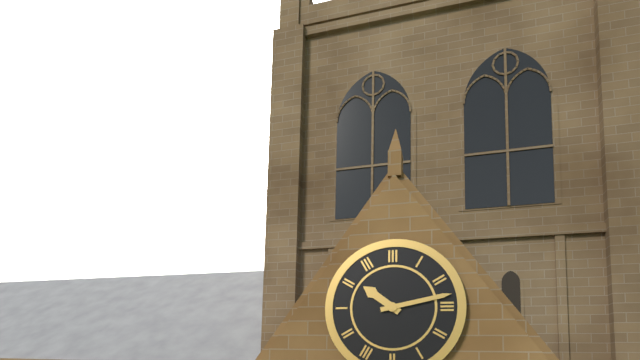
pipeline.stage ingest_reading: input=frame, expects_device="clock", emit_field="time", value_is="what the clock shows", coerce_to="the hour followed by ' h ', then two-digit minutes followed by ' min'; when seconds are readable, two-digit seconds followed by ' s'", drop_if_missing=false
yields 10 h 13 min
